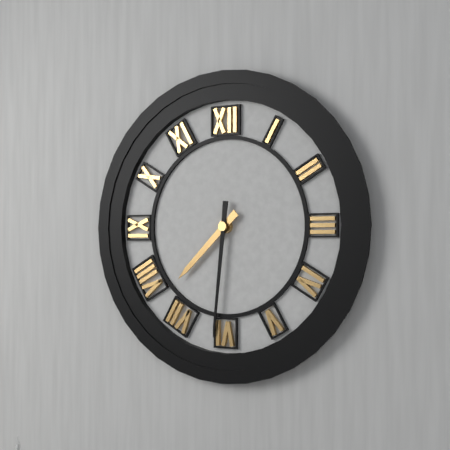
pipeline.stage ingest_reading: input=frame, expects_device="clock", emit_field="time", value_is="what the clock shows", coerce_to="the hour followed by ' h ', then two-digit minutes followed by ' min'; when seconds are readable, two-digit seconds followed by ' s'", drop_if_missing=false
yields 7 h 31 min
